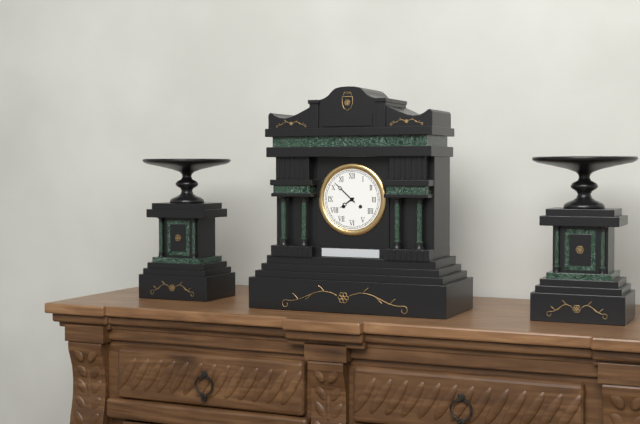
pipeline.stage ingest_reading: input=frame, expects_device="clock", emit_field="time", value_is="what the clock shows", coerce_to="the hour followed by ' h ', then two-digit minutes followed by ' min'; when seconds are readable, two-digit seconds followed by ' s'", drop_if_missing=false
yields 7 h 52 min
